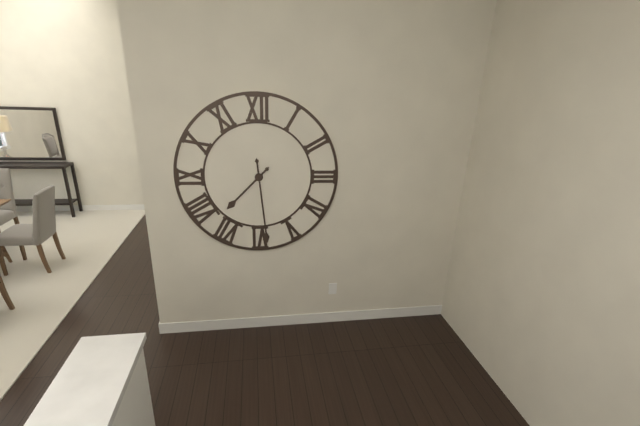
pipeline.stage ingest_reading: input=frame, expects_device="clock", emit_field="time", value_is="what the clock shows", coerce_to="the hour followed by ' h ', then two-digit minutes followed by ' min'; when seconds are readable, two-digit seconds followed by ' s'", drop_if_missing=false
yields 7 h 29 min
